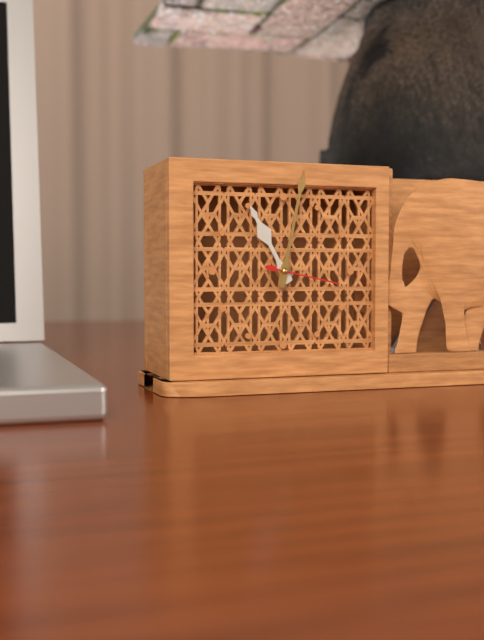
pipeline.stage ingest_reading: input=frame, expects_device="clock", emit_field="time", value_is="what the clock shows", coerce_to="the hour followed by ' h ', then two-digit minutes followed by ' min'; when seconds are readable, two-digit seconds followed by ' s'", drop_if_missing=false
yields 11 h 02 min 17 s
